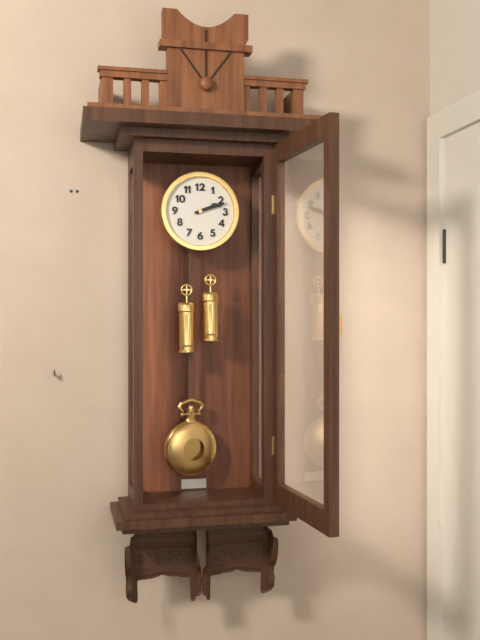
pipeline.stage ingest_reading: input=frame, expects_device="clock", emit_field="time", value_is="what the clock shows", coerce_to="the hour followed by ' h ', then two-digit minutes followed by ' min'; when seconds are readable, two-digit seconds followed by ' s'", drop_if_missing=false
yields 2 h 12 min
